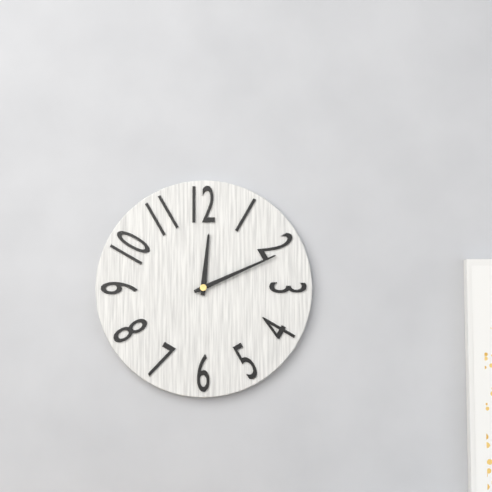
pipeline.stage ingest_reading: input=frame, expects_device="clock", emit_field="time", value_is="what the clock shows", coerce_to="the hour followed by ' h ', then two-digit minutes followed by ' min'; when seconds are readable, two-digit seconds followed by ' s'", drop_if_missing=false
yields 12 h 11 min
